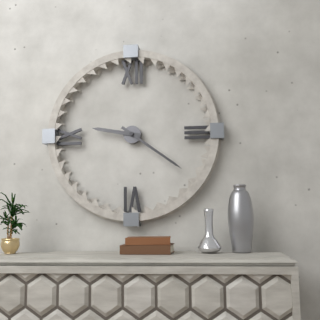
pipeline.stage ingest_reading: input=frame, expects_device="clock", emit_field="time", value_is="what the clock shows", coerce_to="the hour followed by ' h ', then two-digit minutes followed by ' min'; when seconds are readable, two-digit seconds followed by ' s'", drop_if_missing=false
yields 9 h 21 min
